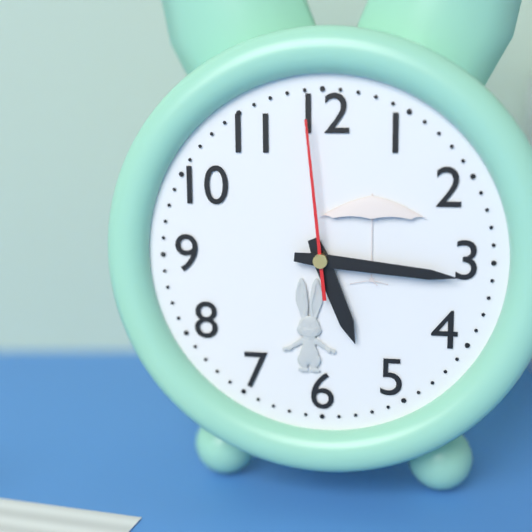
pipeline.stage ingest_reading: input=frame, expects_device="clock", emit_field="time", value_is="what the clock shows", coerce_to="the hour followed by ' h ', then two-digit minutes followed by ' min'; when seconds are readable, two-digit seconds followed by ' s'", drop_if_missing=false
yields 5 h 16 min 59 s
